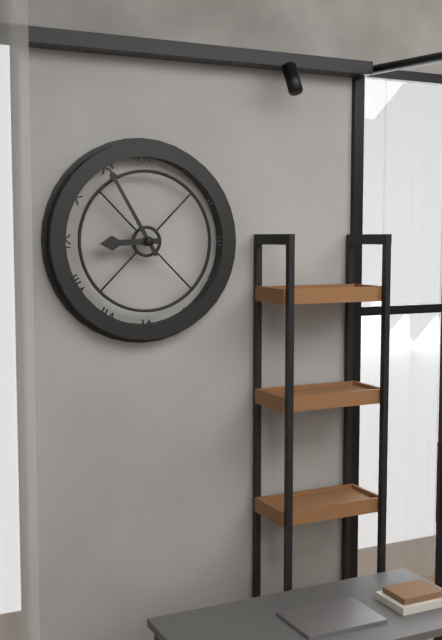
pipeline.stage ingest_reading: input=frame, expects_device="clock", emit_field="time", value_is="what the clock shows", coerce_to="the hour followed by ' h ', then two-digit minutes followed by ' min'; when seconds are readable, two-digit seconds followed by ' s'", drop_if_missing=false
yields 8 h 55 min
